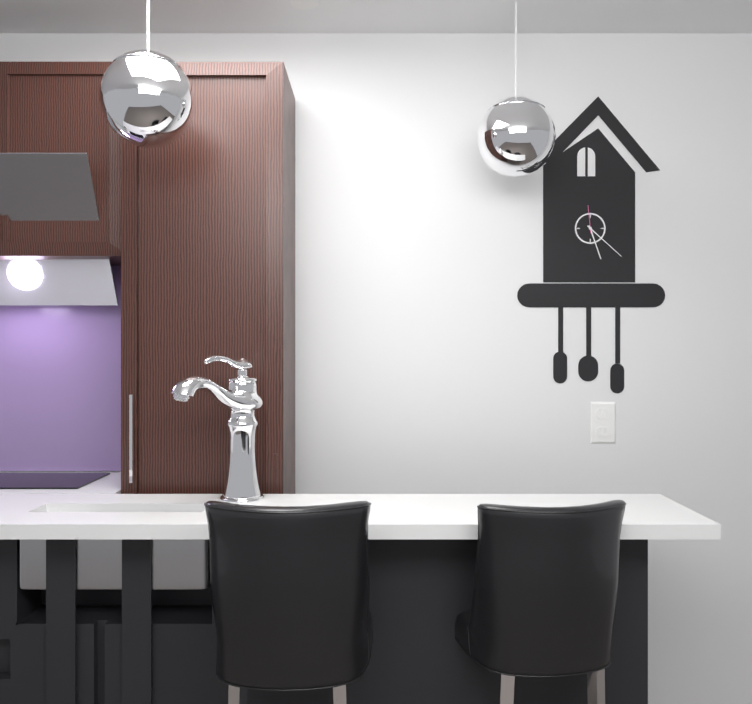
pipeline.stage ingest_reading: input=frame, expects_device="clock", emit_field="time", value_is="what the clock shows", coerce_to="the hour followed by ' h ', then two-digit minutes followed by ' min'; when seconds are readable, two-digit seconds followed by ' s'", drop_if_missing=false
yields 5 h 22 min
